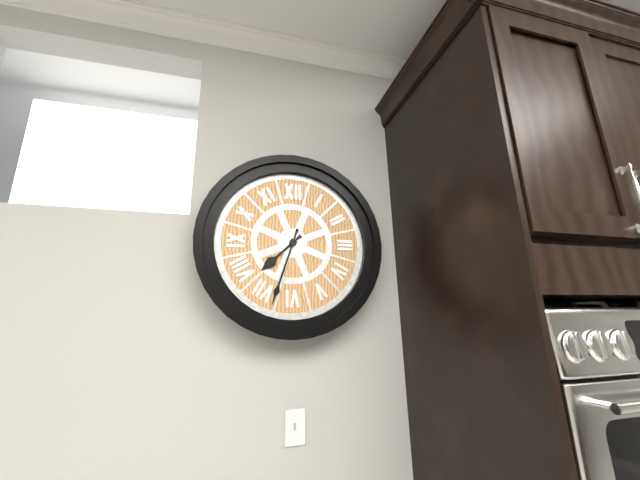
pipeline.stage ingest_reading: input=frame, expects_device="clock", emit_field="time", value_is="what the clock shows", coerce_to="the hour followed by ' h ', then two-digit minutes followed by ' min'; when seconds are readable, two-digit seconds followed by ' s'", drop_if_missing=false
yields 7 h 33 min
